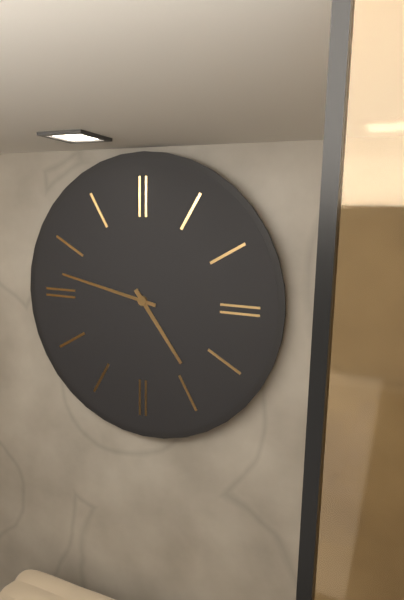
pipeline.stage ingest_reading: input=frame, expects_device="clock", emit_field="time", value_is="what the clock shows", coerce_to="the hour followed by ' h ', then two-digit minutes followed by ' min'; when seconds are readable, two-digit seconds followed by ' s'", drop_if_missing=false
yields 4 h 47 min
